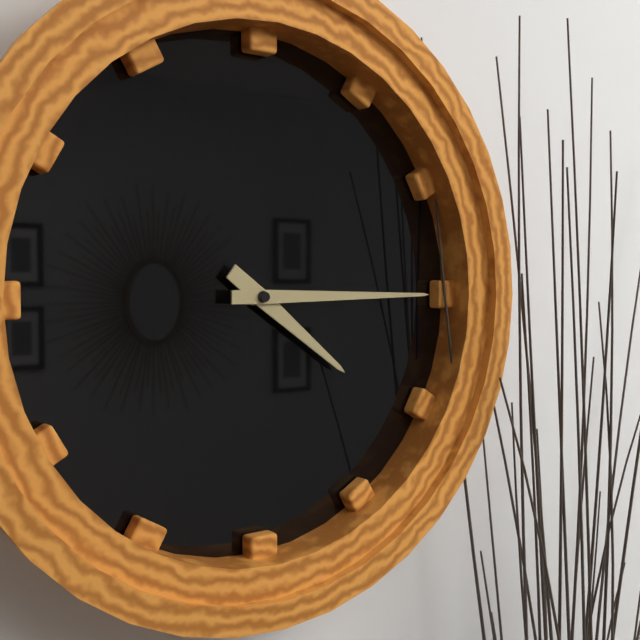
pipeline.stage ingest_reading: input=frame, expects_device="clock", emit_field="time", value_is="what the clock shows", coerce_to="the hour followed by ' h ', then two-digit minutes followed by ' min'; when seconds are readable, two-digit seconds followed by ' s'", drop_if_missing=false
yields 4 h 15 min
